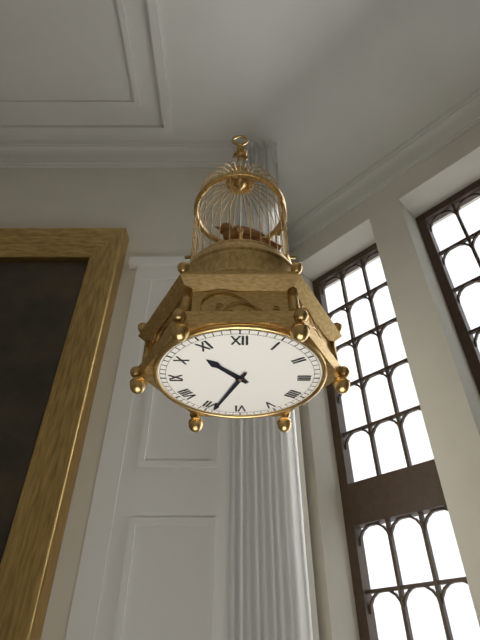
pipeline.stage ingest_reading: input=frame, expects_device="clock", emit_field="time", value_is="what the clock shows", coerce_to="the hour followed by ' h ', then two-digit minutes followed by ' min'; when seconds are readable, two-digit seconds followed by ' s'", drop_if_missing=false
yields 10 h 34 min
